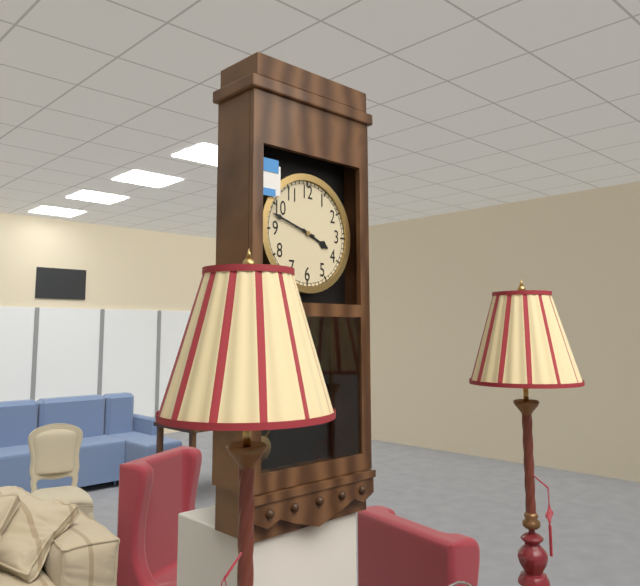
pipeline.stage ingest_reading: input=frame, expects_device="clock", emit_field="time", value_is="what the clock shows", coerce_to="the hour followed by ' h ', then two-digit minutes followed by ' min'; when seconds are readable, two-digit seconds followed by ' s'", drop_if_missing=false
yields 3 h 48 min
